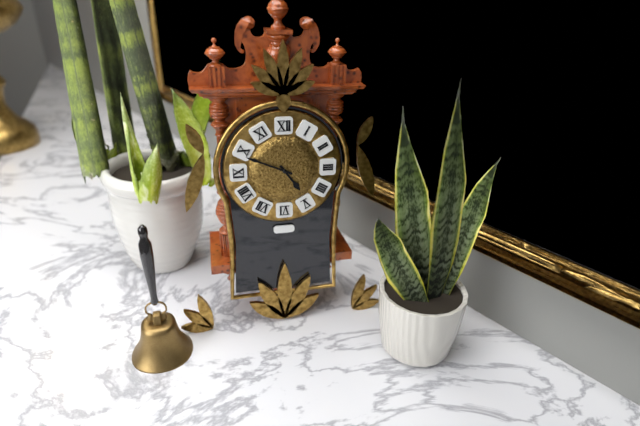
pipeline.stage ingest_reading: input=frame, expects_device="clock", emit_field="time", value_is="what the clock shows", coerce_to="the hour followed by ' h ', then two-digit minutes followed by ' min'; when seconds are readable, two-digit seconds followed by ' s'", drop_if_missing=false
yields 4 h 49 min
